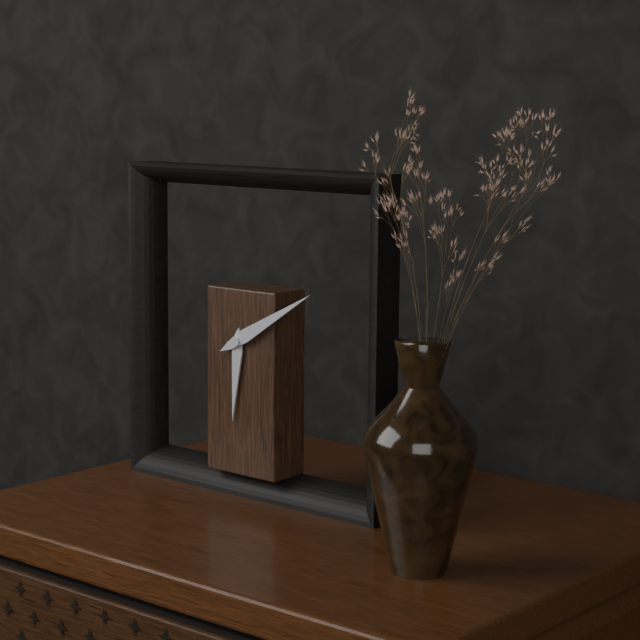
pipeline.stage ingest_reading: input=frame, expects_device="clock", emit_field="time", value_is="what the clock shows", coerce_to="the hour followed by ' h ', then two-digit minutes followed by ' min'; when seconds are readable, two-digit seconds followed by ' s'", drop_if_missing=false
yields 6 h 10 min
